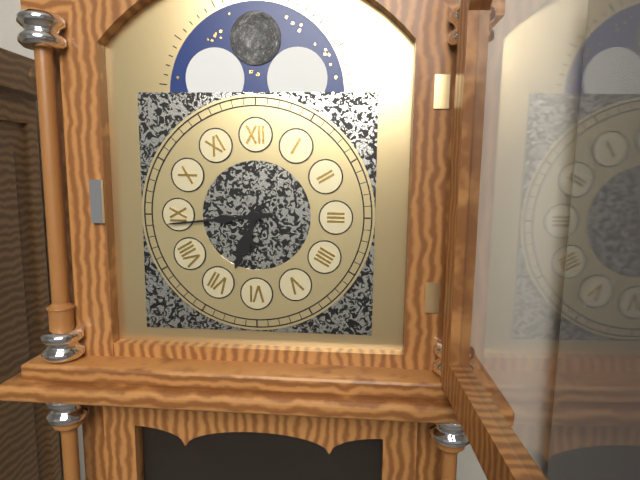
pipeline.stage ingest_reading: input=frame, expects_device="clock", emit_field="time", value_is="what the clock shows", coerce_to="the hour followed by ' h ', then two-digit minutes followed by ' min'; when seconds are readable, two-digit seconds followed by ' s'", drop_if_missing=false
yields 6 h 44 min
